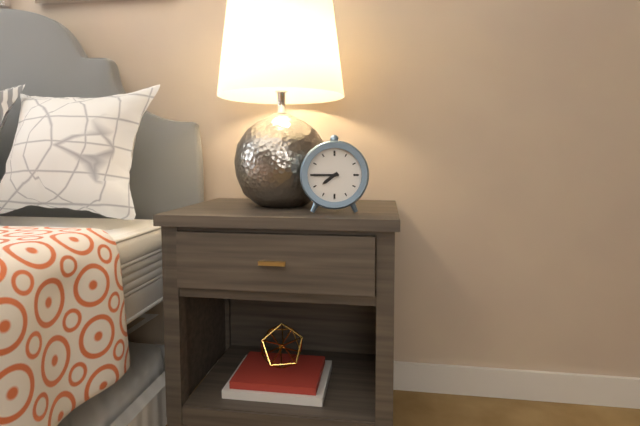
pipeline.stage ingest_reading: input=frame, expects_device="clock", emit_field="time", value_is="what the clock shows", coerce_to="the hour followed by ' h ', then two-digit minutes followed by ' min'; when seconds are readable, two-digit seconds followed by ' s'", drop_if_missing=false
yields 7 h 45 min
